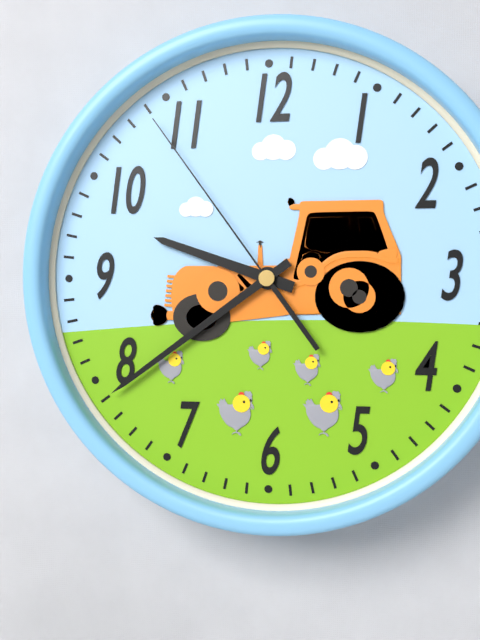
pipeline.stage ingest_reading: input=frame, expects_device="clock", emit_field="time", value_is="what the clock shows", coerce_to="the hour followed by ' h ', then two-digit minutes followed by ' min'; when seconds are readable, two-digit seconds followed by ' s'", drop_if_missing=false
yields 9 h 39 min 54 s
